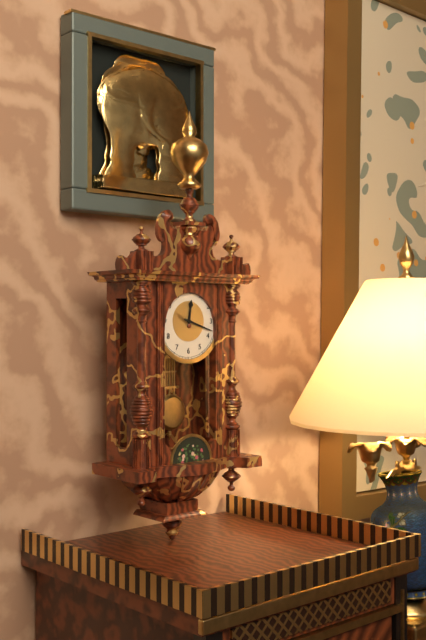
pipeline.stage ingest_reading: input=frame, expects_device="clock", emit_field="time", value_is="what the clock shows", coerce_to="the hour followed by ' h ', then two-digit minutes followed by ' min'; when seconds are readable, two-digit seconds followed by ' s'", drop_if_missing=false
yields 12 h 18 min
